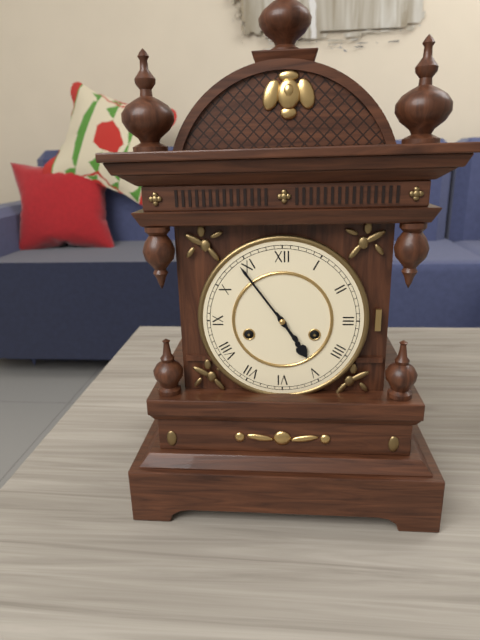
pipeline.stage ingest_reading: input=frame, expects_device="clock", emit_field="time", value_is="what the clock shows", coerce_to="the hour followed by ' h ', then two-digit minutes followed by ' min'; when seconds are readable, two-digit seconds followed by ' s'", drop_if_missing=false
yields 4 h 54 min
